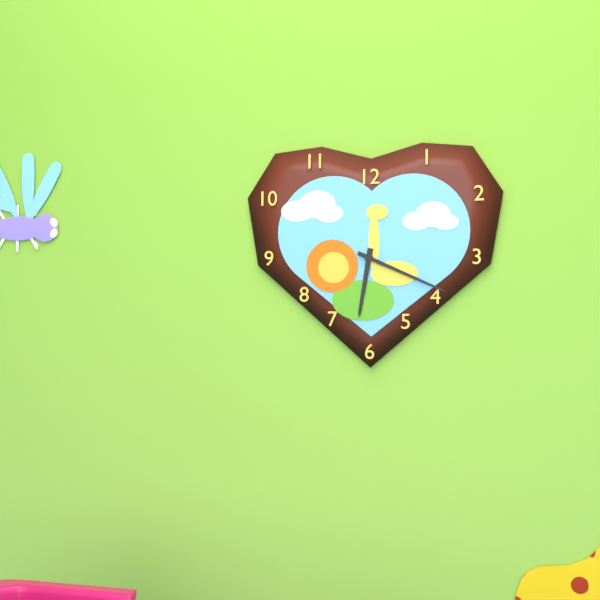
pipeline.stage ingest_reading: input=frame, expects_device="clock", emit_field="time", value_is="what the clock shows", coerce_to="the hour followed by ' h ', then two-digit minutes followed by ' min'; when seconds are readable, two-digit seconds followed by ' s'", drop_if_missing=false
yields 6 h 19 min
